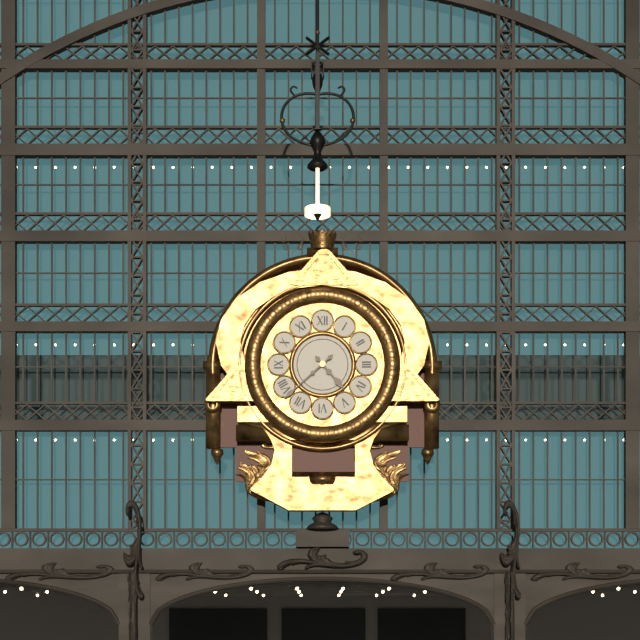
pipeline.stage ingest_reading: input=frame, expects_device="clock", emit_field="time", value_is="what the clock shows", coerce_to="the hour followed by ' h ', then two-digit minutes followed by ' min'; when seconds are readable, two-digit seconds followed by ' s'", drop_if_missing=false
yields 4 h 38 min
